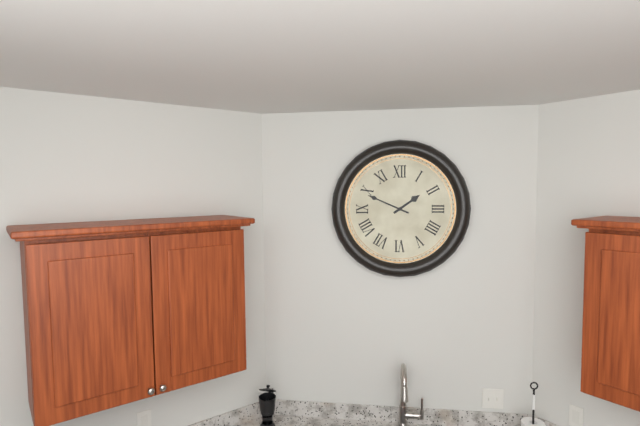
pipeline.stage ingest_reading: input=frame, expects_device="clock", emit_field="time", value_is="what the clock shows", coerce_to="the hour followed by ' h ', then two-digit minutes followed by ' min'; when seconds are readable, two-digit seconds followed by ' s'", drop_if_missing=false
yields 1 h 49 min
